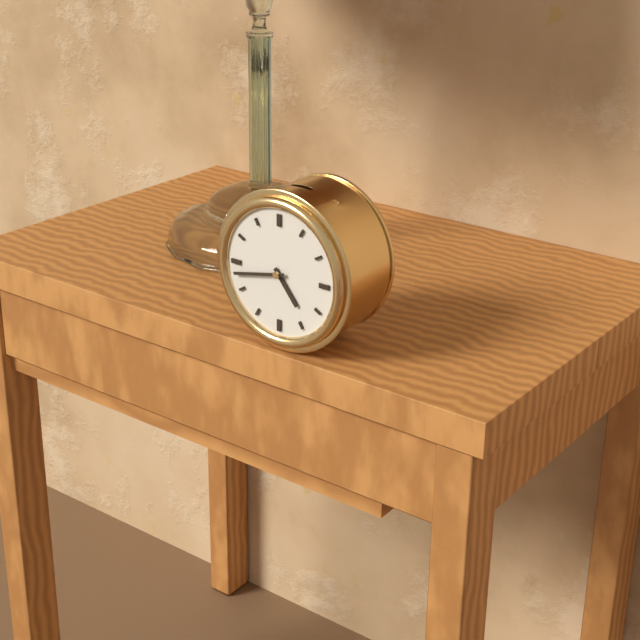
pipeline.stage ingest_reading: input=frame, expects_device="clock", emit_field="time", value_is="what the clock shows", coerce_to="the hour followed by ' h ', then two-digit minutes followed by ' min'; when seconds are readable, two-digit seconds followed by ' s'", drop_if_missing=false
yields 4 h 43 min
